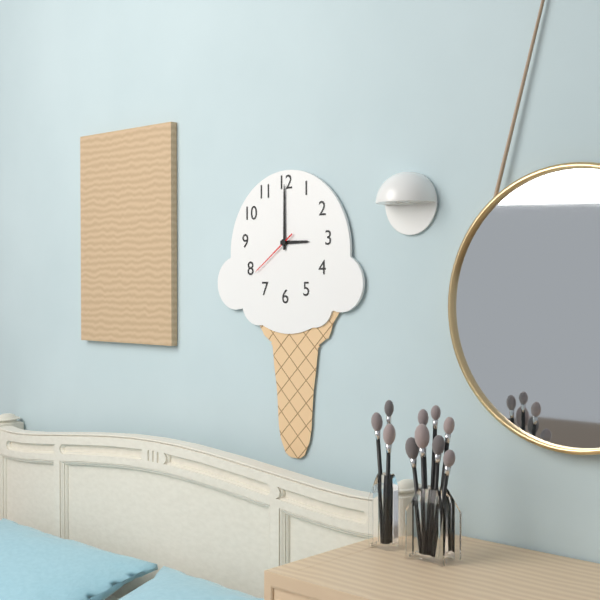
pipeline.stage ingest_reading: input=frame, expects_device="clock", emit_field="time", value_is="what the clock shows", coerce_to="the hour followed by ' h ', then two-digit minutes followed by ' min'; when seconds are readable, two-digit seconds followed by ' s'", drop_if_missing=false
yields 3 h 00 min 39 s
